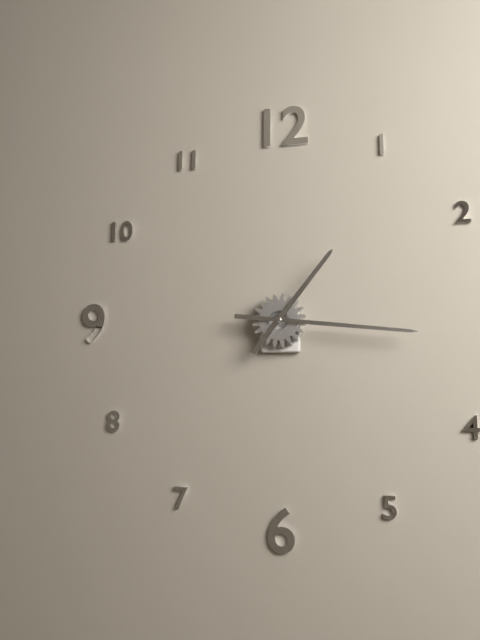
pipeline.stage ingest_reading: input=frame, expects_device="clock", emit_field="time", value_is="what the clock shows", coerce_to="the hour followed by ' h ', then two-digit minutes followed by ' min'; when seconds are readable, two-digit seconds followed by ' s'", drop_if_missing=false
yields 1 h 16 min
